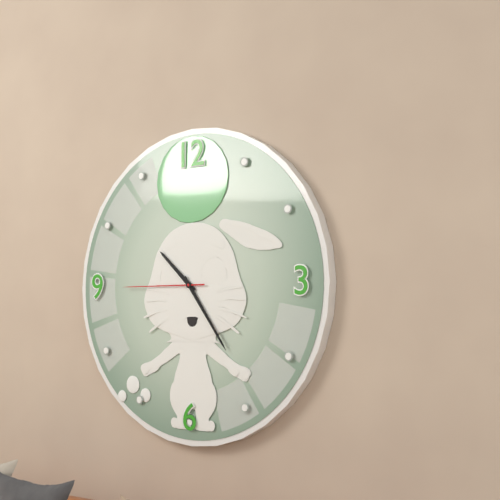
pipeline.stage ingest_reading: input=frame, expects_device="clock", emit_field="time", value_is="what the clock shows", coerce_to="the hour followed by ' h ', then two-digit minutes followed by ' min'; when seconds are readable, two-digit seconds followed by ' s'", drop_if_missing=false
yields 10 h 24 min 45 s
